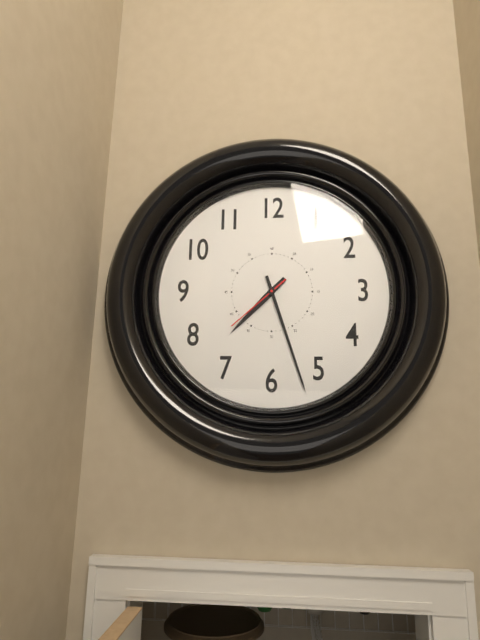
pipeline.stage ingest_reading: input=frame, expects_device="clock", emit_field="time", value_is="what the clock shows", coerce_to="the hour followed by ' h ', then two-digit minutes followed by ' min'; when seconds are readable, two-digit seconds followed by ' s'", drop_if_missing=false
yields 7 h 27 min 38 s
